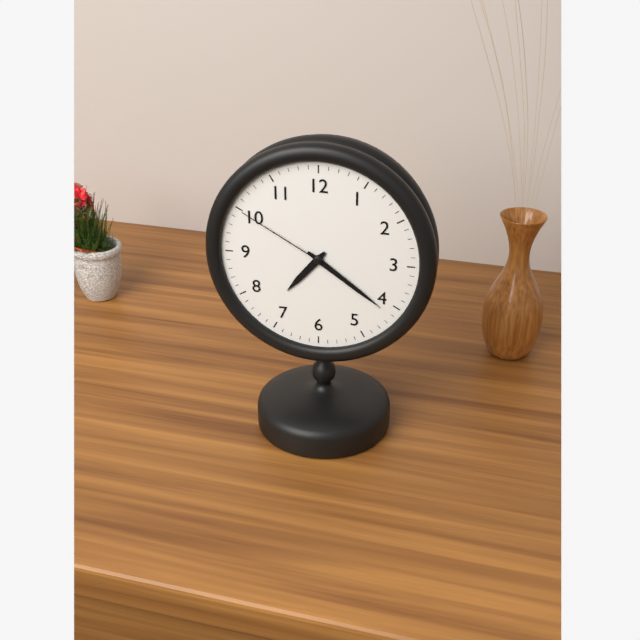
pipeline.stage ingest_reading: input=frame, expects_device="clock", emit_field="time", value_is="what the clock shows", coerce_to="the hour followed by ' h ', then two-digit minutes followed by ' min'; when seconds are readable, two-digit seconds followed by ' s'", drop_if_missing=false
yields 7 h 21 min 50 s
